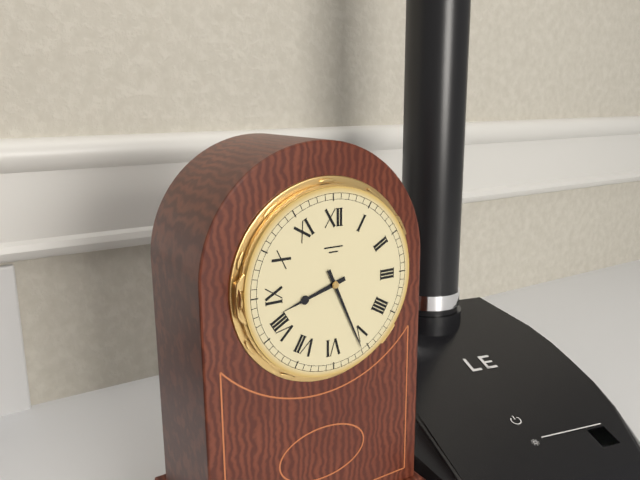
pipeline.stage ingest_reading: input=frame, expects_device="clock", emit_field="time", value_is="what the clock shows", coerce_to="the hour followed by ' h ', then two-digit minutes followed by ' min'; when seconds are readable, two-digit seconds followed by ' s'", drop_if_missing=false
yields 8 h 26 min
